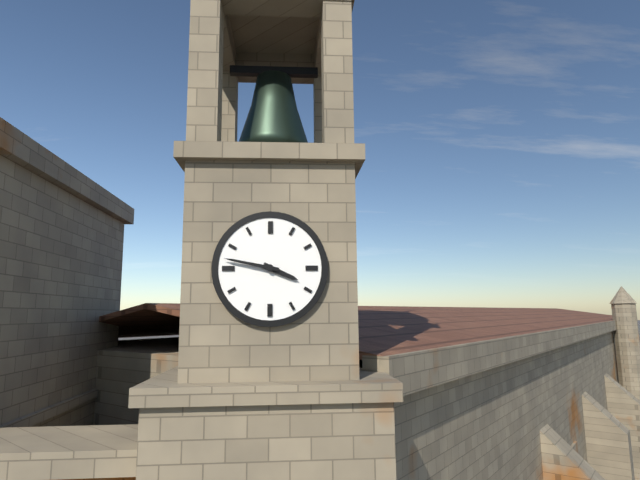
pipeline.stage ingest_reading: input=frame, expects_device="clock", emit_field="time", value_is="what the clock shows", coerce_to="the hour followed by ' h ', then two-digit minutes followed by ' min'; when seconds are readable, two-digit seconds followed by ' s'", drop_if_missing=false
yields 3 h 47 min
